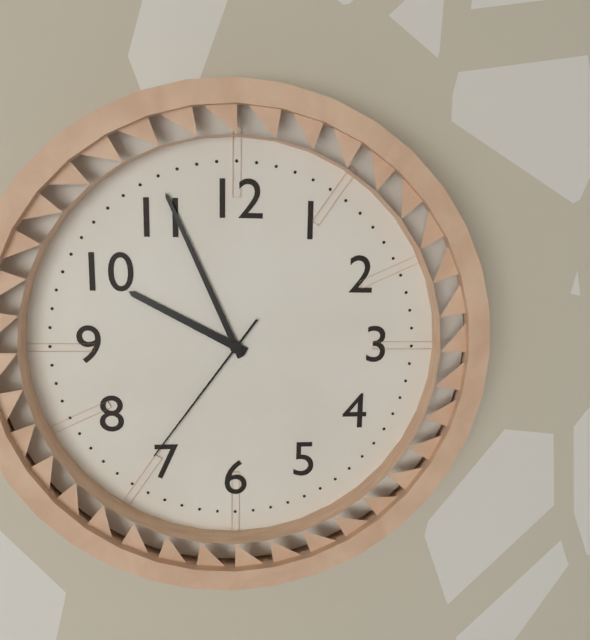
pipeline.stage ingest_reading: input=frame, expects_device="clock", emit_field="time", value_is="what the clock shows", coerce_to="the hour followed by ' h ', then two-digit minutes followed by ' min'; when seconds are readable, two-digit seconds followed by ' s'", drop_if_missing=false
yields 9 h 56 min 36 s
